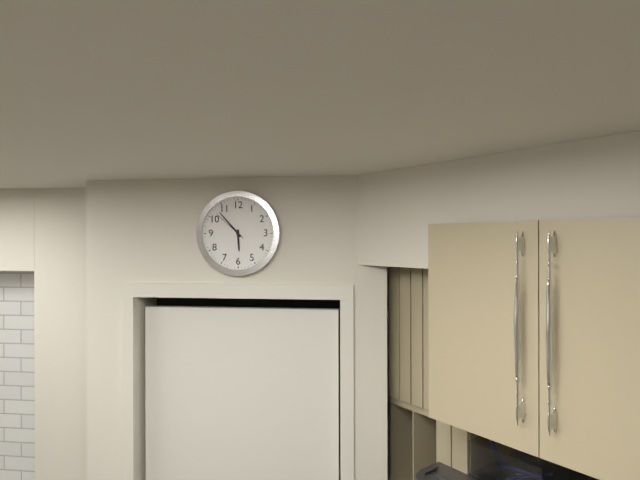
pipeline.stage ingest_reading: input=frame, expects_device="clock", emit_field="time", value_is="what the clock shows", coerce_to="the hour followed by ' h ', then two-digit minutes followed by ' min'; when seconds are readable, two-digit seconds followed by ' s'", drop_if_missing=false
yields 5 h 53 min
